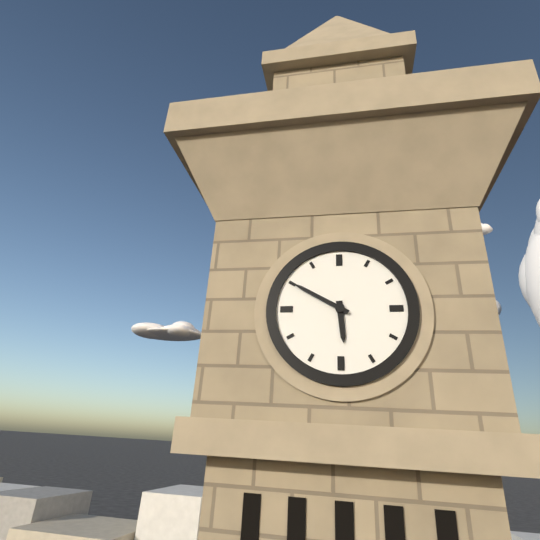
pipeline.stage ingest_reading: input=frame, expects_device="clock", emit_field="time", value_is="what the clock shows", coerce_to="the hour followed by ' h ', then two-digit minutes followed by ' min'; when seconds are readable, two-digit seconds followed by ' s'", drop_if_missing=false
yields 5 h 50 min
